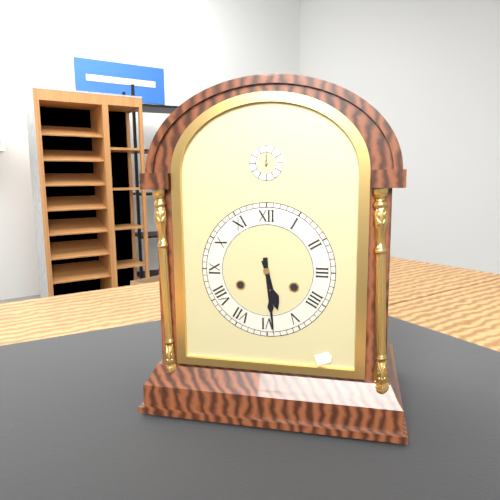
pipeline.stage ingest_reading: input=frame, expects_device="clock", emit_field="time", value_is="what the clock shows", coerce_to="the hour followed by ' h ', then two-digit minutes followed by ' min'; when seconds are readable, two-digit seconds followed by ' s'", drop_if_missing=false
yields 5 h 29 min
